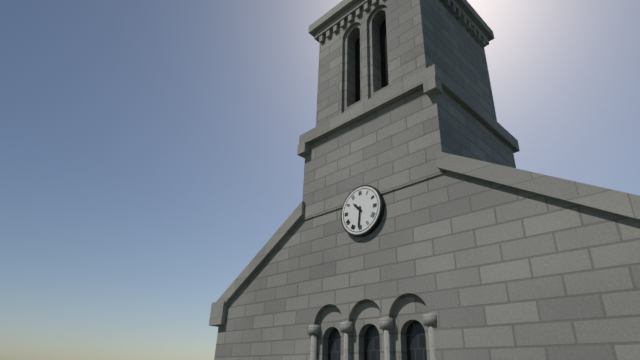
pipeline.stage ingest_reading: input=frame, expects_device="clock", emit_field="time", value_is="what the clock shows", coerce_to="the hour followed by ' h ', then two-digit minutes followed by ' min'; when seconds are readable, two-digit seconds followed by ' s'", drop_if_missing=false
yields 10 h 31 min
